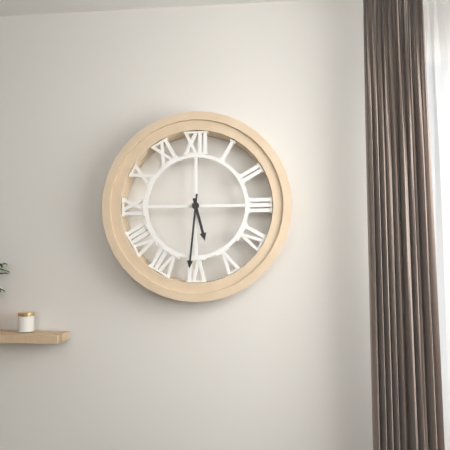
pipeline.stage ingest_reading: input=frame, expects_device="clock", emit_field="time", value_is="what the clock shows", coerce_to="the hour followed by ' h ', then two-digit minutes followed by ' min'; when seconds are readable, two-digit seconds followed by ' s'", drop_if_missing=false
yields 5 h 31 min
